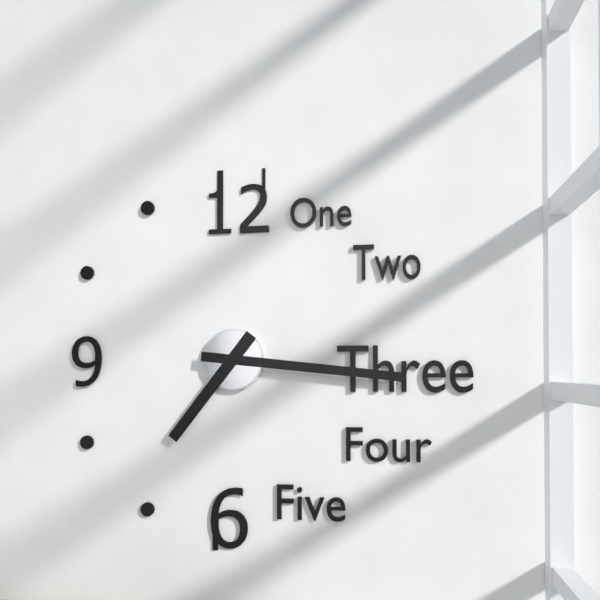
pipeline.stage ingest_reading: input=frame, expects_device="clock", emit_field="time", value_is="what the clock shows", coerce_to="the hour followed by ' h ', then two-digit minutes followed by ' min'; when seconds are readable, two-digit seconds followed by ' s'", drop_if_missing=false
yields 7 h 16 min
